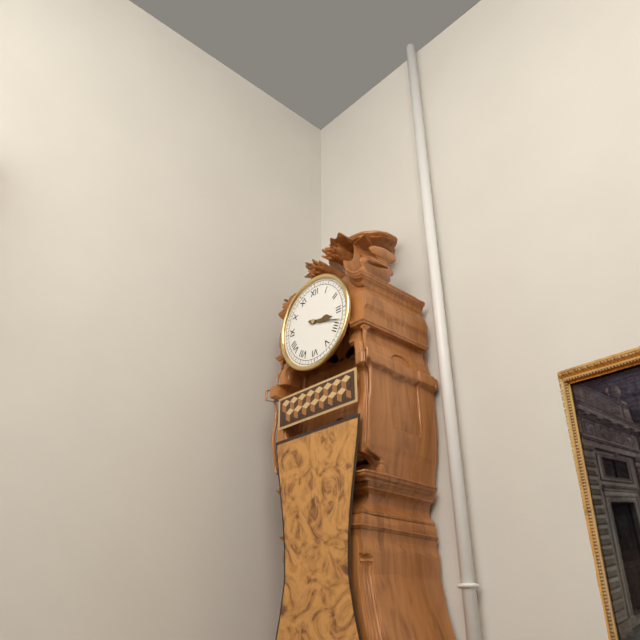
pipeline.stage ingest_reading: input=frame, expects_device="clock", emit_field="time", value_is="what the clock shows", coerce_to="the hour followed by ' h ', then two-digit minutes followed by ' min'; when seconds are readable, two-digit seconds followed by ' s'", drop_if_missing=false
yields 3 h 18 min
